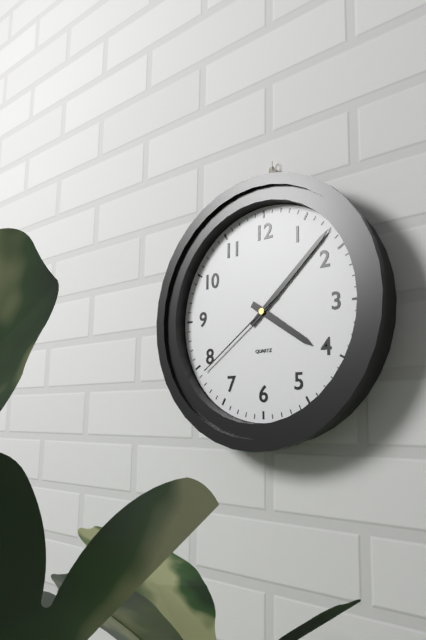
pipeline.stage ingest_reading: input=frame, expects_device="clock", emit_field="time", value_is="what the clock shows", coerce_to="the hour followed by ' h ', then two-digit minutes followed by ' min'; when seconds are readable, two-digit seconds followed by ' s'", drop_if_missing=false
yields 4 h 08 min 39 s
